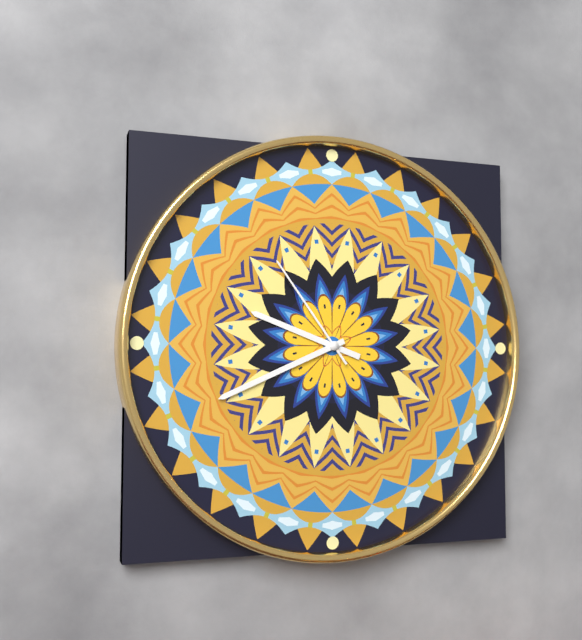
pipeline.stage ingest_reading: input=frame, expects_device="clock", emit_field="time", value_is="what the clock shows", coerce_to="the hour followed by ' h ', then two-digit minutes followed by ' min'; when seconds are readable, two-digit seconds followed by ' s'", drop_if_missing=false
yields 9 h 41 min 54 s
